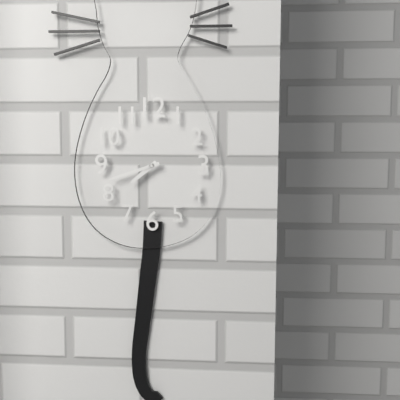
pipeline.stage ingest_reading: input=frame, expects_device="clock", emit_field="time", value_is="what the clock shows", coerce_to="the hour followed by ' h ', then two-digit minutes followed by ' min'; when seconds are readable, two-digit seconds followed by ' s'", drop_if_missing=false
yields 7 h 42 min
